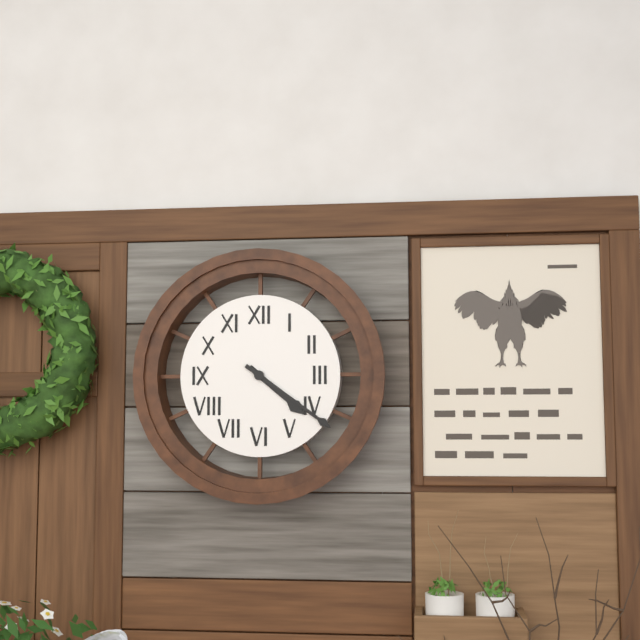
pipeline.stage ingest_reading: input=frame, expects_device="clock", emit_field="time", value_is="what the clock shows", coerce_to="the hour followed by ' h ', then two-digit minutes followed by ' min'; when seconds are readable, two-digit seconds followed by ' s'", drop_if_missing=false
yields 4 h 21 min
